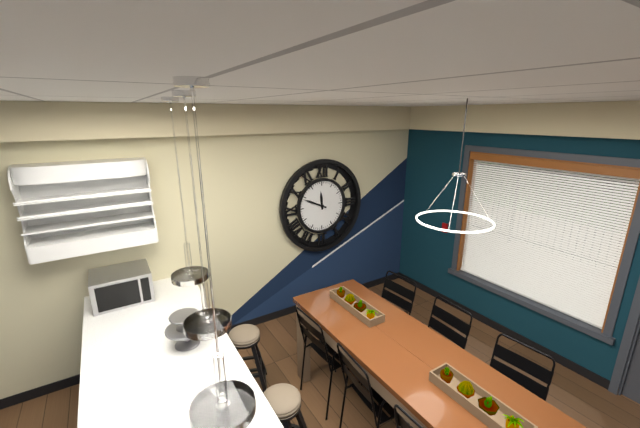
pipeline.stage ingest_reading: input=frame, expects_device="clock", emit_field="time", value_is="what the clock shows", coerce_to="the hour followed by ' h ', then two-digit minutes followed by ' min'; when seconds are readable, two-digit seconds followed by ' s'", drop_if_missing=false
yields 11 h 49 min
